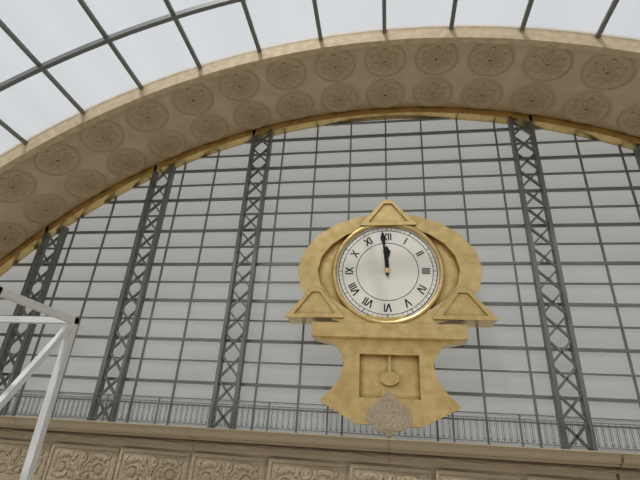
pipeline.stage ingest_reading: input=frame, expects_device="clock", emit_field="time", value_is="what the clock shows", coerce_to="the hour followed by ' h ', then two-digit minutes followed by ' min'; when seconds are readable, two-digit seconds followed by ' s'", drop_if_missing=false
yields 11 h 59 min
